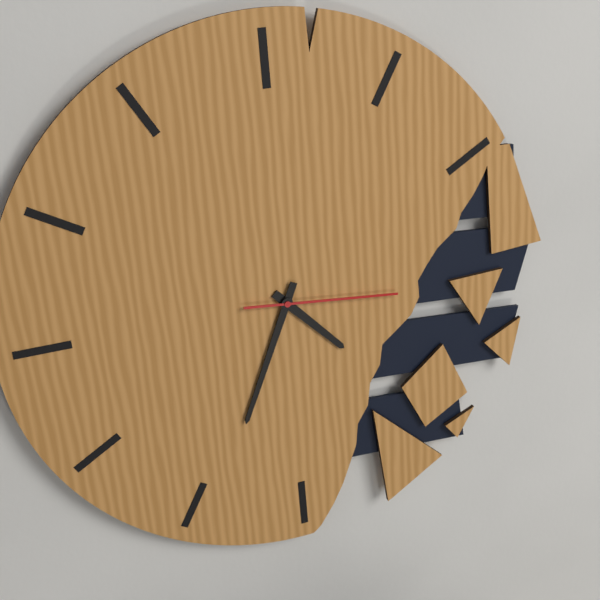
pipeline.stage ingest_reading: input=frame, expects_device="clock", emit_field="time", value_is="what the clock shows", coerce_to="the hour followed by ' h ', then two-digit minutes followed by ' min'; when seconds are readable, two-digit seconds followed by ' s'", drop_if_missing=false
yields 4 h 34 min 16 s
